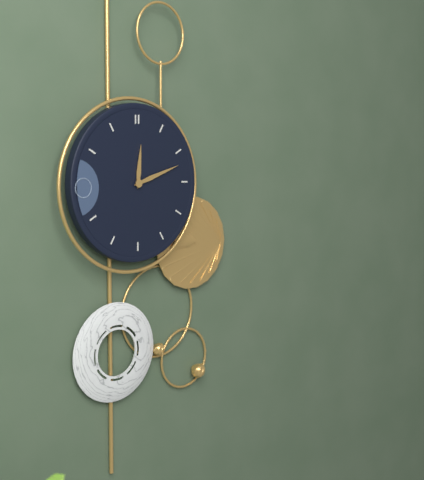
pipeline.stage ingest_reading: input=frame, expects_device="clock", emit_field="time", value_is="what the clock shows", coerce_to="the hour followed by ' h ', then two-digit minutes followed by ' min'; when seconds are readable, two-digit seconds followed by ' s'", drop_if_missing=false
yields 12 h 12 min
